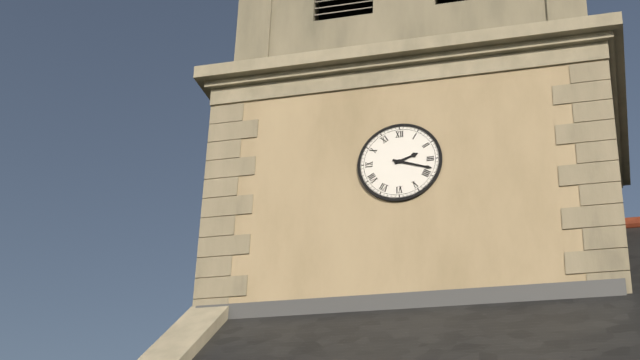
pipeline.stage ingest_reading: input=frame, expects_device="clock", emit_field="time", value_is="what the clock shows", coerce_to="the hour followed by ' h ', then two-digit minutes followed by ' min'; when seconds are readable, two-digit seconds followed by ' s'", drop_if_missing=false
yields 2 h 18 min
